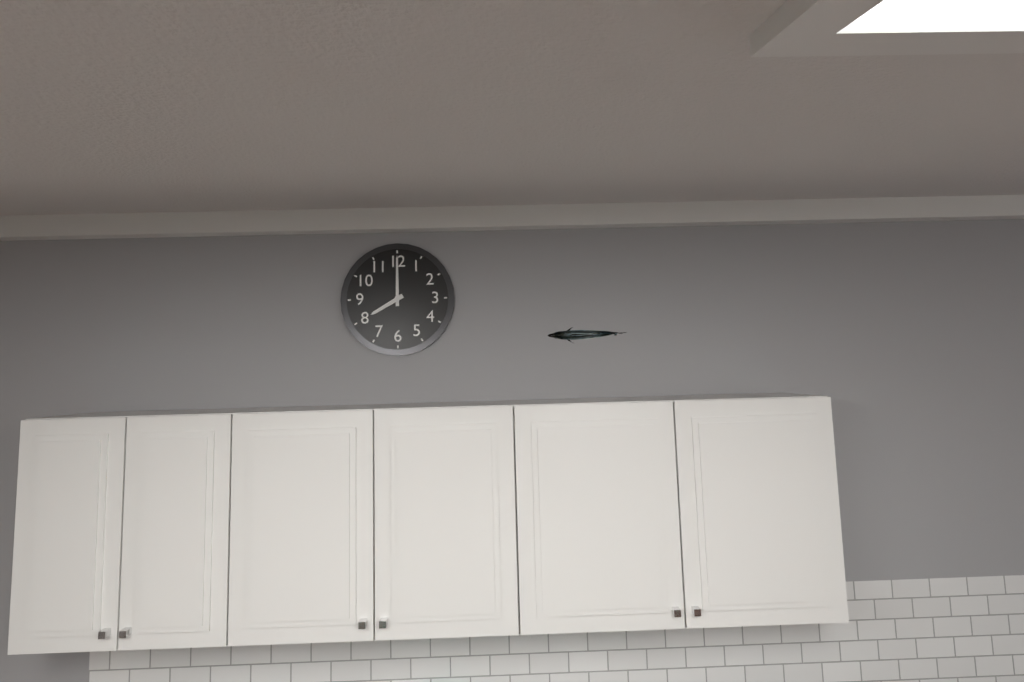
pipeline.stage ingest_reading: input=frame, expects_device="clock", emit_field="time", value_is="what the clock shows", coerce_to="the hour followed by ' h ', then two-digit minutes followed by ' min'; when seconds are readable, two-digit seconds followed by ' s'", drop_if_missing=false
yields 8 h 00 min
